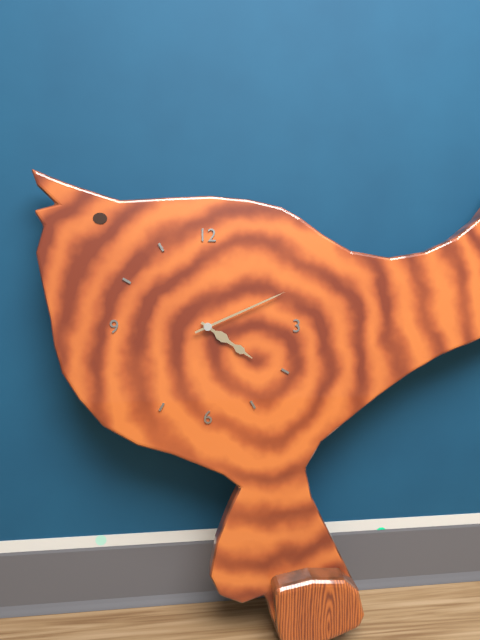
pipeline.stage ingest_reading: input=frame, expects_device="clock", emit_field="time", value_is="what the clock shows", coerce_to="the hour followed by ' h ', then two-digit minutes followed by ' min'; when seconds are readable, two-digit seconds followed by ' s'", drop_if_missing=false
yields 4 h 11 min
